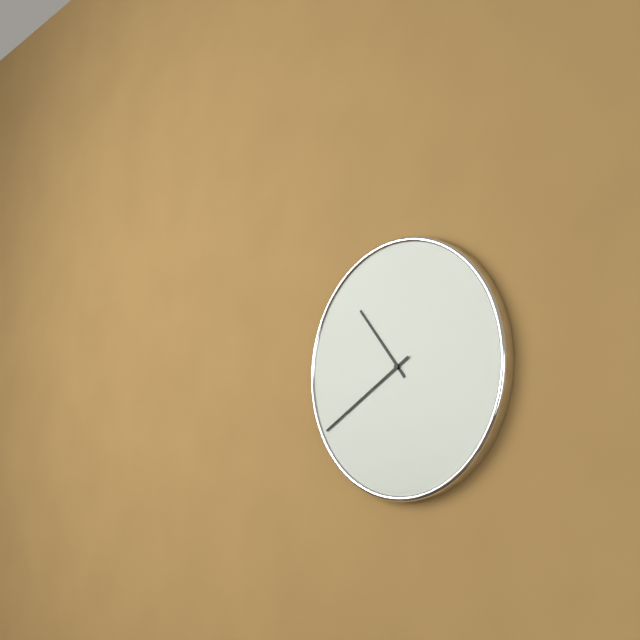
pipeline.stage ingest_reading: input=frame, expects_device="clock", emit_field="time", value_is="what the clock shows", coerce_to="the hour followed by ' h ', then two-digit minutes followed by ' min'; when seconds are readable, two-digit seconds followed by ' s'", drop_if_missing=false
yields 10 h 40 min
